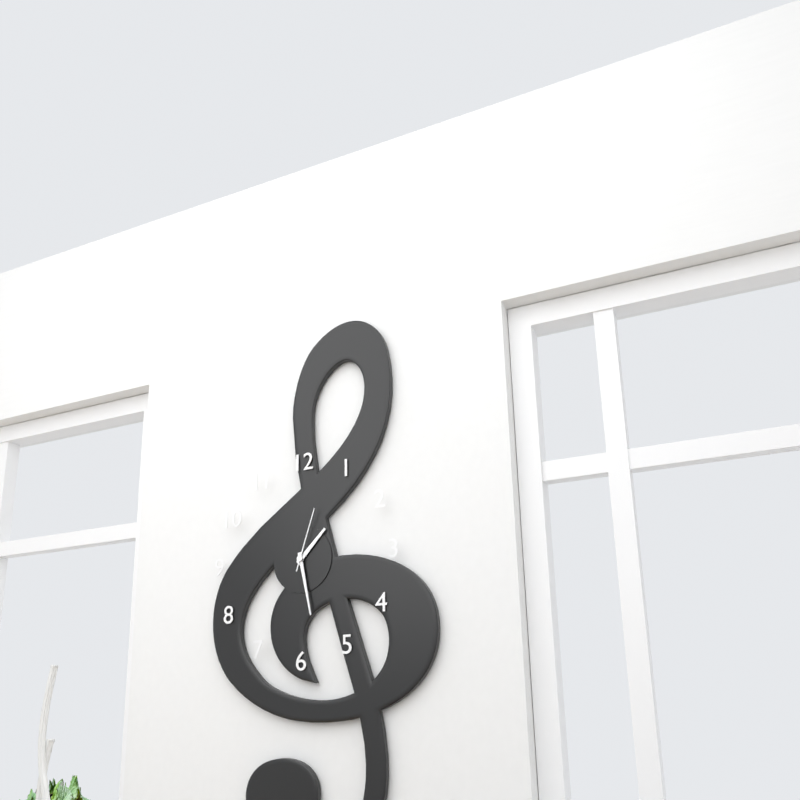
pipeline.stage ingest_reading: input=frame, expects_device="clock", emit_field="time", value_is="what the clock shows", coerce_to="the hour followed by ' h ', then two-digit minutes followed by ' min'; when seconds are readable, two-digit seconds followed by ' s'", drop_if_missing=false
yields 1 h 28 min 03 s
